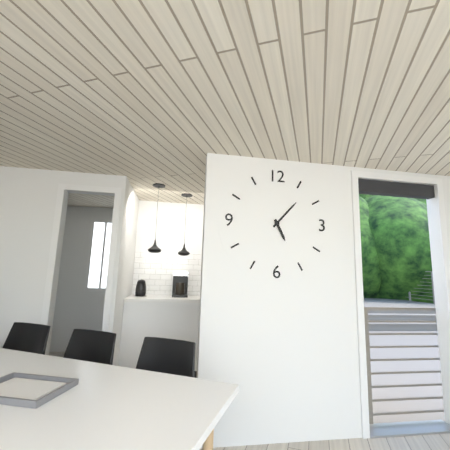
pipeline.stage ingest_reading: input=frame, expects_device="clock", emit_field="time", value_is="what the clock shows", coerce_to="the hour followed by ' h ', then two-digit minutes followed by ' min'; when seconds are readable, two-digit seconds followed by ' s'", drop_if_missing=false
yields 5 h 07 min
